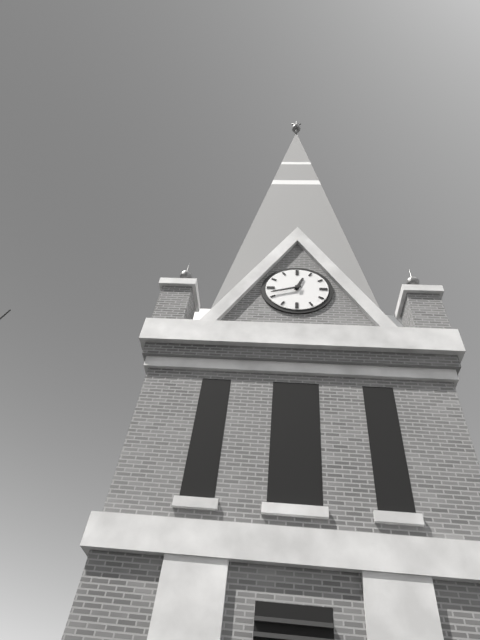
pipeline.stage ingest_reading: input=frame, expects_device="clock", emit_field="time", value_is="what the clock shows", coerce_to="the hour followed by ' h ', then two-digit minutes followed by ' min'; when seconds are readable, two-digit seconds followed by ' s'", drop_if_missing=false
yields 12 h 42 min
